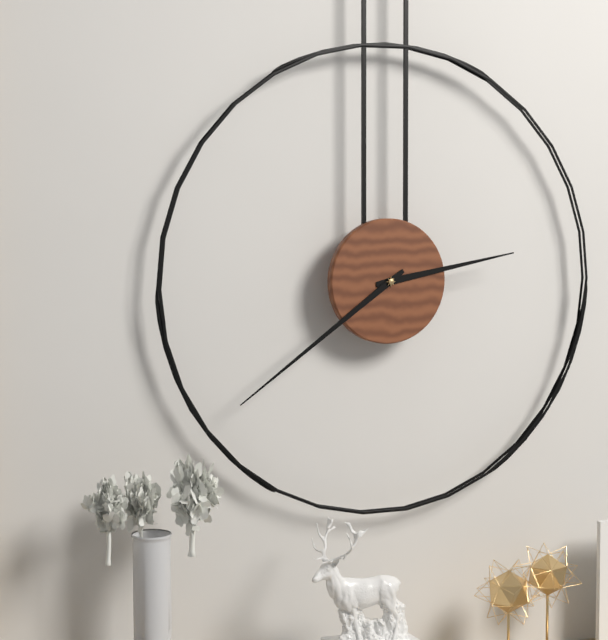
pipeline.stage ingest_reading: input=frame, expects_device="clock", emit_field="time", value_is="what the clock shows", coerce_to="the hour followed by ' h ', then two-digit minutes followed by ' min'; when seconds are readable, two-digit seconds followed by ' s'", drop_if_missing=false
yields 2 h 39 min
